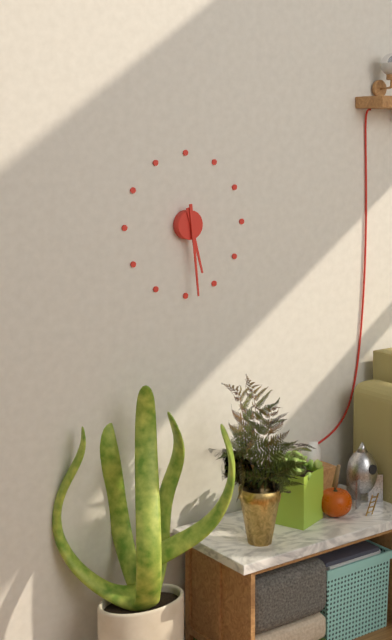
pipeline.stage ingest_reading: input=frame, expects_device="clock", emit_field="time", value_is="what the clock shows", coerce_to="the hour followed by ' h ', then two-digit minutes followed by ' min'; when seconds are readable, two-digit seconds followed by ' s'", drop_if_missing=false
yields 5 h 29 min
